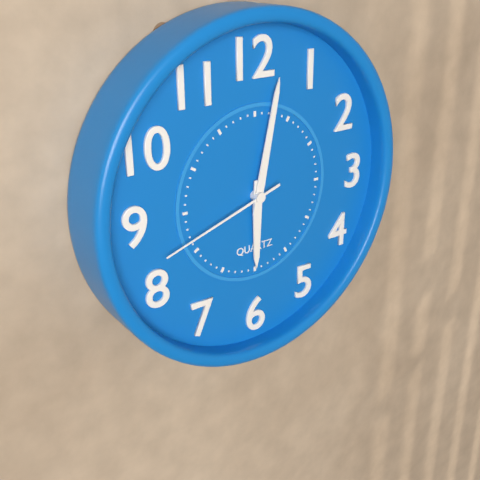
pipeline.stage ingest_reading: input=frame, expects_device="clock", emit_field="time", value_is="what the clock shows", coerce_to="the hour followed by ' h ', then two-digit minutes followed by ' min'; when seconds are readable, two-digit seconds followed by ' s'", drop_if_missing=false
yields 6 h 02 min 42 s
